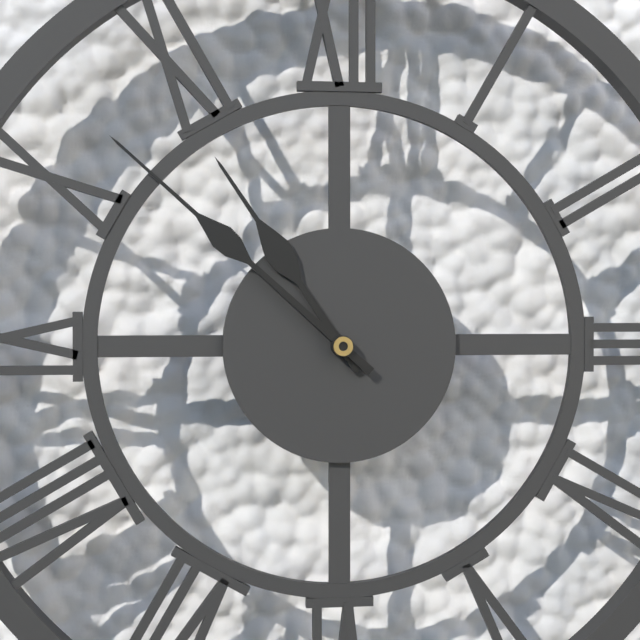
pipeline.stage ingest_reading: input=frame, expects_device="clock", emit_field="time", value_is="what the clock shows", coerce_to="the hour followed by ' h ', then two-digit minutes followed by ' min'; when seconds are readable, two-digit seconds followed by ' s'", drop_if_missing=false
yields 10 h 52 min
